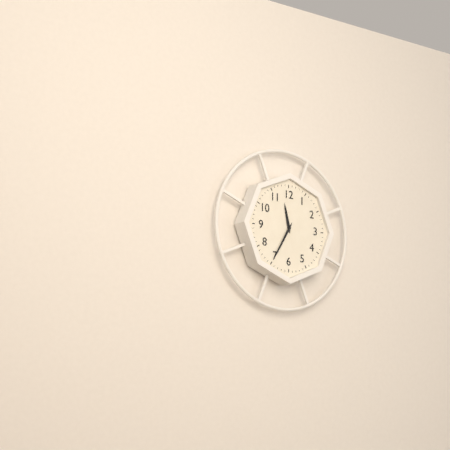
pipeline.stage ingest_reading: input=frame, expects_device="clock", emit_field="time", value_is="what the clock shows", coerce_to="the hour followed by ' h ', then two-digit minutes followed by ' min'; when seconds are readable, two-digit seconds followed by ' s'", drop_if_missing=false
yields 11 h 35 min
